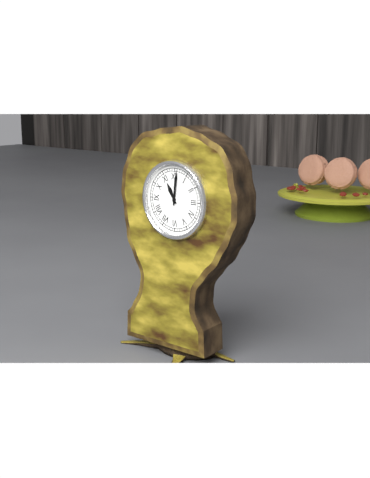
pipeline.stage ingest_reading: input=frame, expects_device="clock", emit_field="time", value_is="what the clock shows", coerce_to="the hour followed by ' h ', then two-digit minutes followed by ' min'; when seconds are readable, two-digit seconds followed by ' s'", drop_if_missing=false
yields 11 h 01 min
